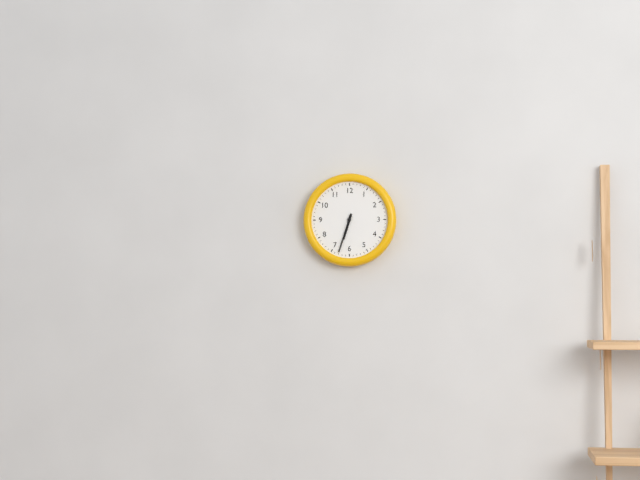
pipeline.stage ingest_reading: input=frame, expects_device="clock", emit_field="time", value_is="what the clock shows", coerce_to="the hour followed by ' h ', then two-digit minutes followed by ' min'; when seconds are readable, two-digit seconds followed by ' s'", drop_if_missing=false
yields 6 h 33 min
